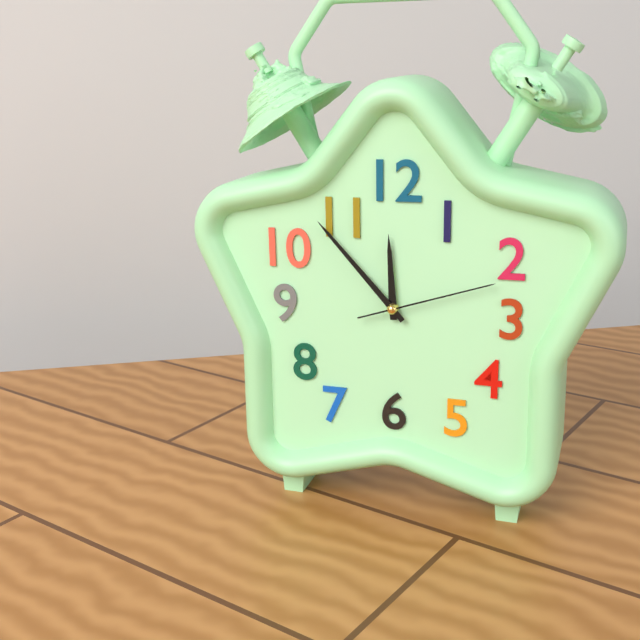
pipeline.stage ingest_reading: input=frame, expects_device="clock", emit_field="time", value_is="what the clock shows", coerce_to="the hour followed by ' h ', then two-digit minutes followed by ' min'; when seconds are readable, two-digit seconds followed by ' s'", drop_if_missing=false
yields 11 h 53 min 12 s
